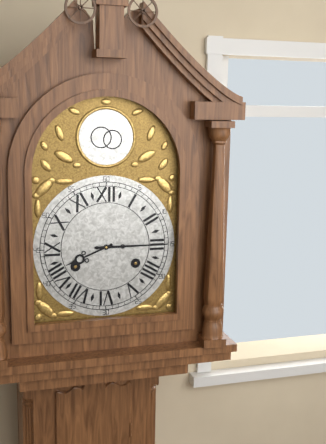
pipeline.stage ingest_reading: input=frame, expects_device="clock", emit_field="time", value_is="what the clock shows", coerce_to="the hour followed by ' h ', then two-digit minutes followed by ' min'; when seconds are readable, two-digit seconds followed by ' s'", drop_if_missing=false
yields 8 h 15 min
